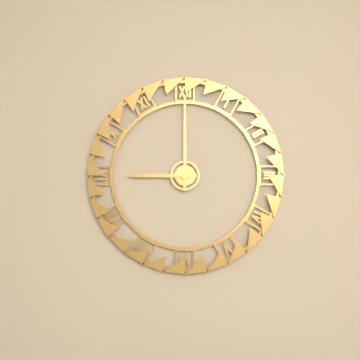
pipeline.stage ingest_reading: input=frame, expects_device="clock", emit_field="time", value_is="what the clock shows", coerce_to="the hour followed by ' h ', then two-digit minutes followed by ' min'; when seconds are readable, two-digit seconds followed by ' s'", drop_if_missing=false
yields 9 h 00 min
